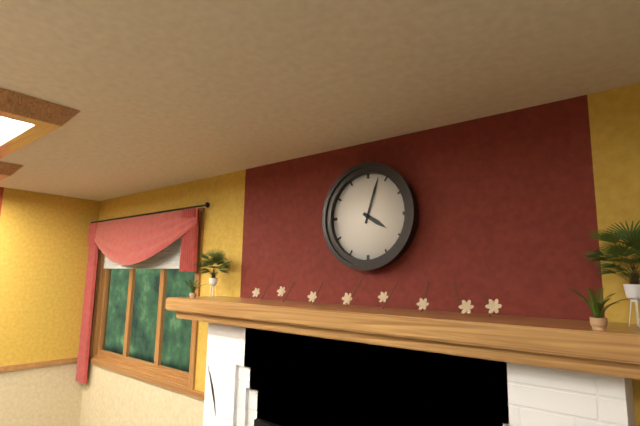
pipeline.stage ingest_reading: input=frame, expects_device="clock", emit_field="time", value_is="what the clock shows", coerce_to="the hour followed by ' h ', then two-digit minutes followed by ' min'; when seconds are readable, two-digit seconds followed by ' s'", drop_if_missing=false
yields 4 h 03 min
